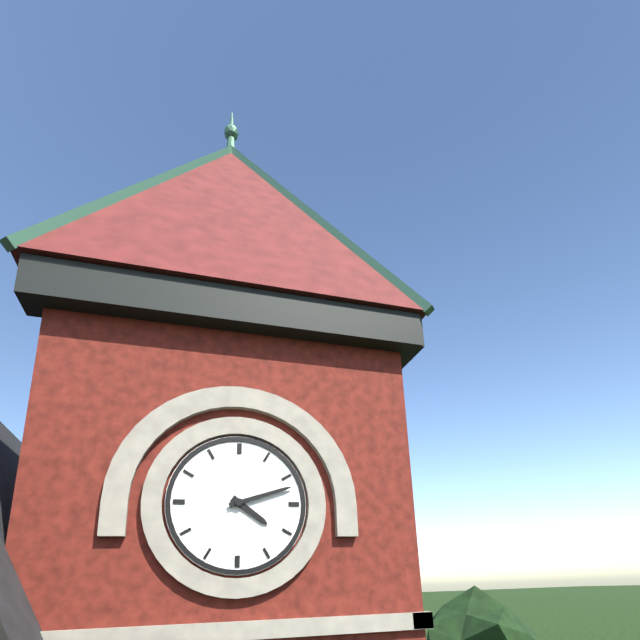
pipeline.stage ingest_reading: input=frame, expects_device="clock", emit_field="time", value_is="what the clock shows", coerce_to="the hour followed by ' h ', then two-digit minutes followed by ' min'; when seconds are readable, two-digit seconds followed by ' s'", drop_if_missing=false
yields 4 h 12 min
